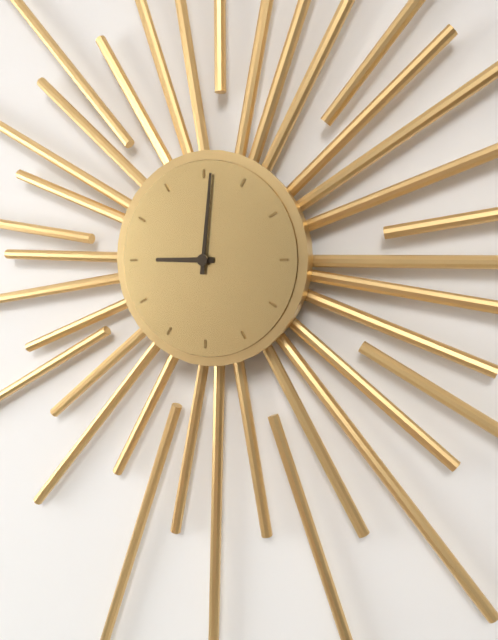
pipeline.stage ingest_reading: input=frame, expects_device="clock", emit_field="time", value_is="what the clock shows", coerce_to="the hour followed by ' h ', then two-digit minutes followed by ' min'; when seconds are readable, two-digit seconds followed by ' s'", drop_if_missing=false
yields 9 h 01 min
